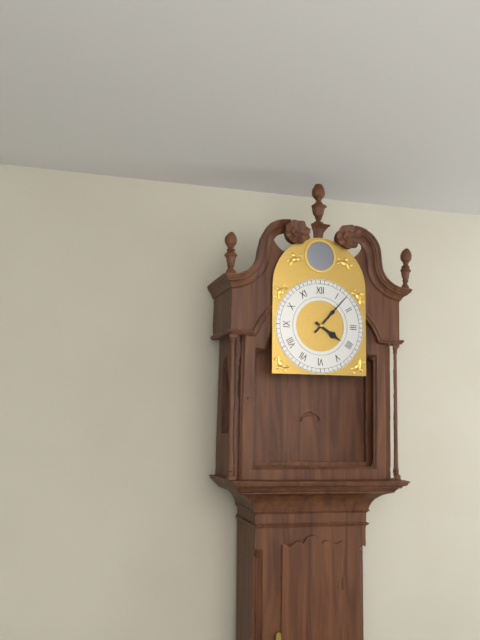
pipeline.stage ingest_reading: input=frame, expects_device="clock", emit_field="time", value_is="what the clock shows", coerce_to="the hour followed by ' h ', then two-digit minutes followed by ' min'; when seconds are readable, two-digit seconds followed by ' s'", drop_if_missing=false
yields 4 h 07 min
